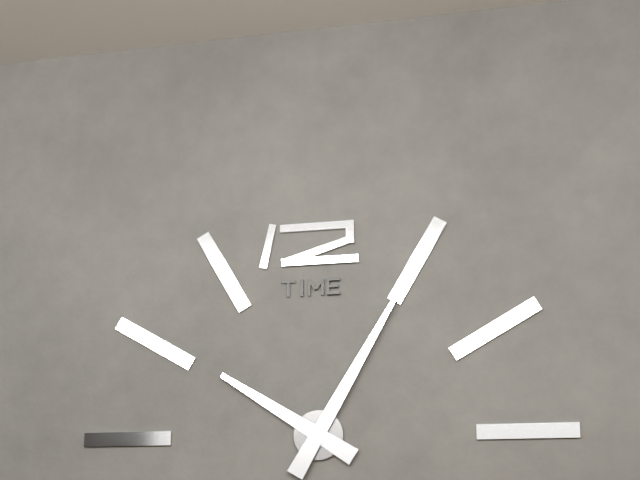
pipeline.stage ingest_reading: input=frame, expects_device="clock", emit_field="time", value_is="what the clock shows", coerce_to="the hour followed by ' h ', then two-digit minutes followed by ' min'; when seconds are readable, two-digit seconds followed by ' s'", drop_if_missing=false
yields 10 h 05 min
